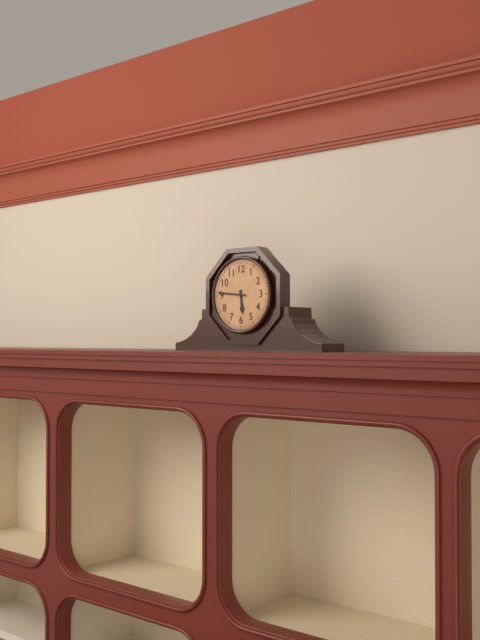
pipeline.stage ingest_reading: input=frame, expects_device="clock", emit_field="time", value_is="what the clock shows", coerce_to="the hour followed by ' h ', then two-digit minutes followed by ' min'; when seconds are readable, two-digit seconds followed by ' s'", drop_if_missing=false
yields 5 h 46 min
